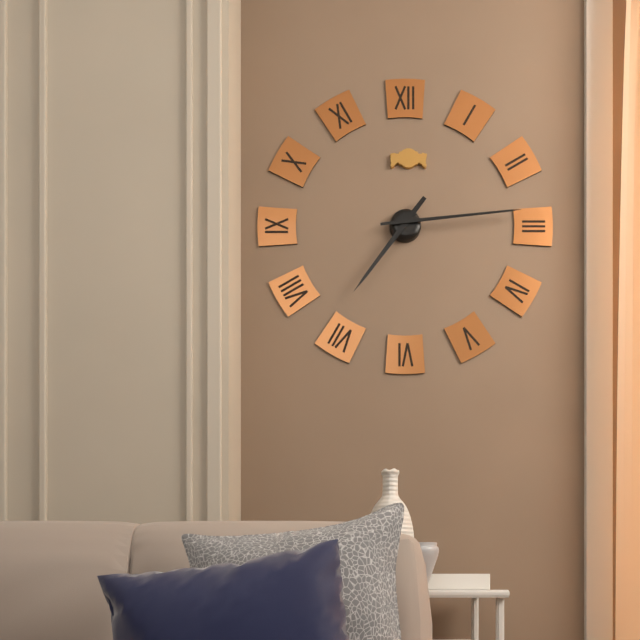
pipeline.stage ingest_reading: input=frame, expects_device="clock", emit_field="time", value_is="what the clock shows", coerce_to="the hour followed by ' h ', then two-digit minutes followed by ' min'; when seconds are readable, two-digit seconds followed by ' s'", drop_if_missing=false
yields 7 h 14 min
